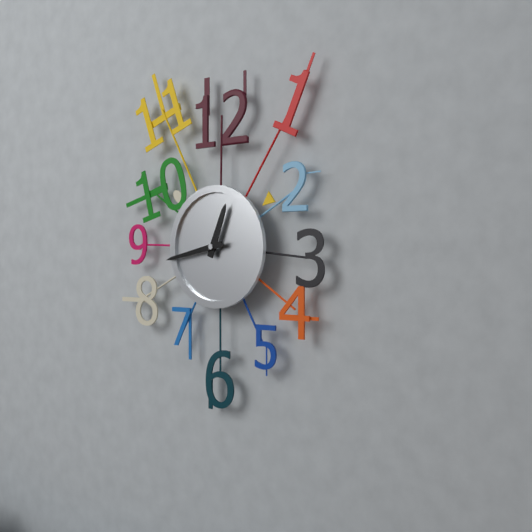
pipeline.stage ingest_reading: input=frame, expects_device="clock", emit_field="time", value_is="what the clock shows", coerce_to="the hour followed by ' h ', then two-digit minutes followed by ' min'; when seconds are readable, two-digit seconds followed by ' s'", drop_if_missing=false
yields 12 h 43 min
